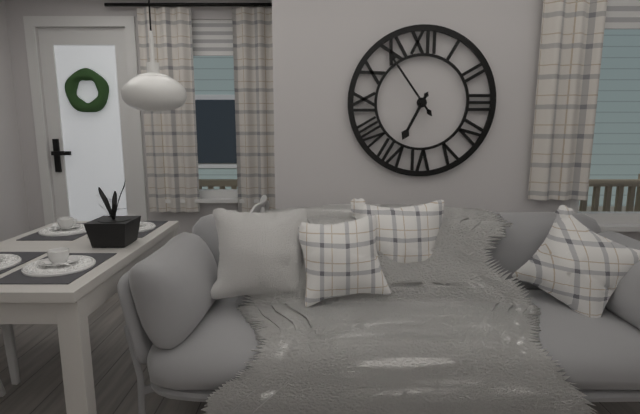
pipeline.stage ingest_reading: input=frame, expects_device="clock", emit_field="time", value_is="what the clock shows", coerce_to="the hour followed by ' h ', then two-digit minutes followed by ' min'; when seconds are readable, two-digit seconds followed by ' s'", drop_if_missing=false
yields 6 h 54 min
